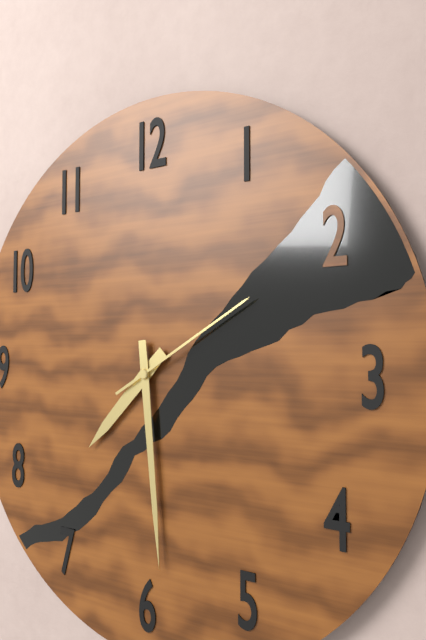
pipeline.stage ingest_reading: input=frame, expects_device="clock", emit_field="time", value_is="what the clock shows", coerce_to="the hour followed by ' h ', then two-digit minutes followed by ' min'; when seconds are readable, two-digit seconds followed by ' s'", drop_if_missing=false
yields 7 h 29 min 10 s
